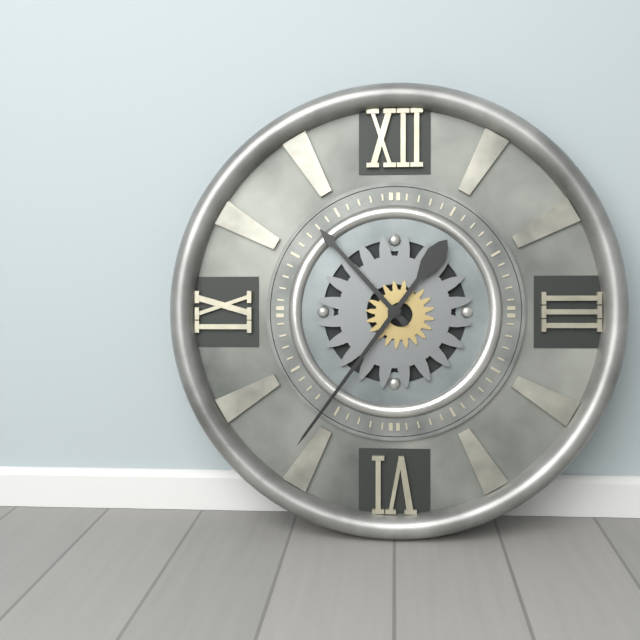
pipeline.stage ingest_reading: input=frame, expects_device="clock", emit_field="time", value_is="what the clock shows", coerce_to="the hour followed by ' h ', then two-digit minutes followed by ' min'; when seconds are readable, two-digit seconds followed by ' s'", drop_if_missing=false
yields 10 h 36 min
